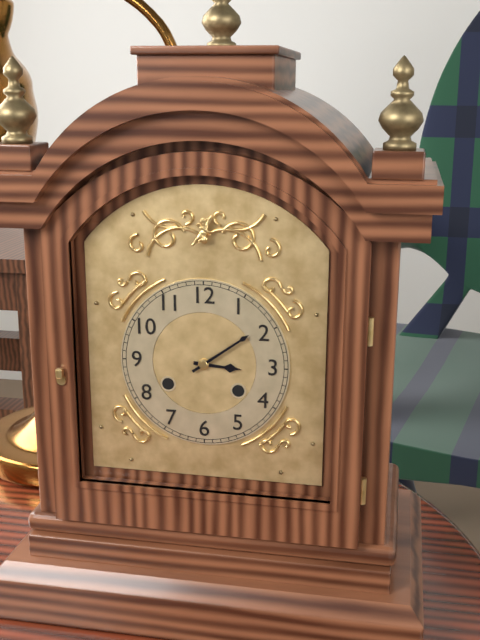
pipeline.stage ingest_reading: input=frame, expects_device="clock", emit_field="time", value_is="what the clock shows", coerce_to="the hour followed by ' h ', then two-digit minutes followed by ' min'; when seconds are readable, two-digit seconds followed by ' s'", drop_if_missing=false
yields 3 h 09 min
